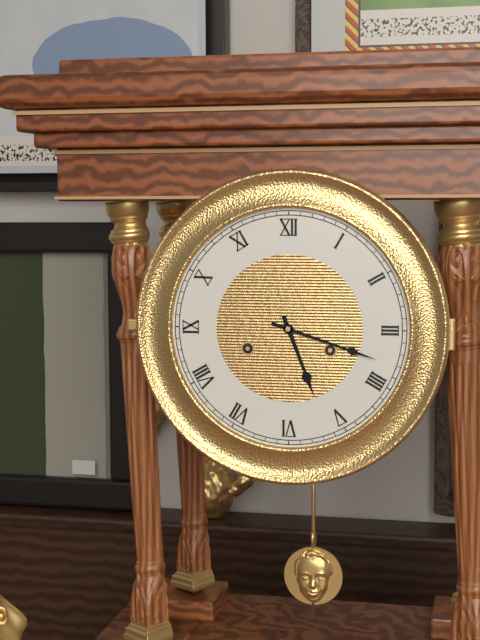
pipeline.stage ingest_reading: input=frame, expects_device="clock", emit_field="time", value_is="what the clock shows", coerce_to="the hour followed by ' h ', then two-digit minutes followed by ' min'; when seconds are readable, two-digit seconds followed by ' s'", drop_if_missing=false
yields 5 h 18 min
